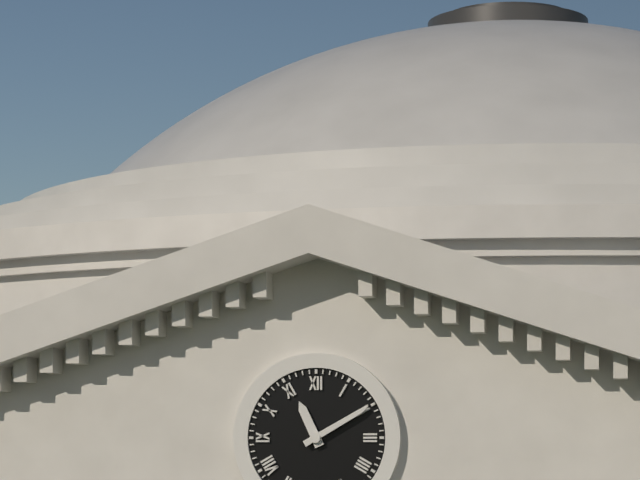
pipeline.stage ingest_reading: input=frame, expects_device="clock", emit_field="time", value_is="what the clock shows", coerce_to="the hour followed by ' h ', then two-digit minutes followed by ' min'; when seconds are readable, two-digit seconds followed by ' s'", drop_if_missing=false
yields 11 h 10 min
